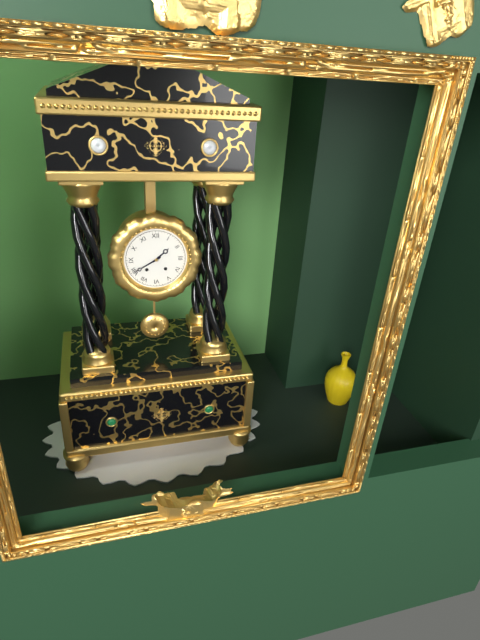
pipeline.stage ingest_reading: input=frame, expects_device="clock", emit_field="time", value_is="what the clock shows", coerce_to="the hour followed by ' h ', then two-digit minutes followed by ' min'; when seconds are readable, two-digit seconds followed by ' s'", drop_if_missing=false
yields 1 h 40 min
